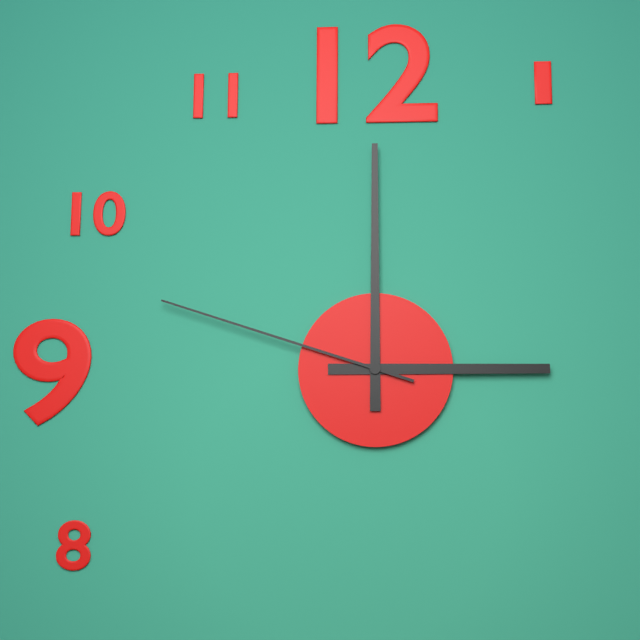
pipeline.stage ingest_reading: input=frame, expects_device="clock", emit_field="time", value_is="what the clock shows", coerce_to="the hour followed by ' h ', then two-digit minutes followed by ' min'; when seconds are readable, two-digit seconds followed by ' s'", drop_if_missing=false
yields 3 h 00 min 48 s
